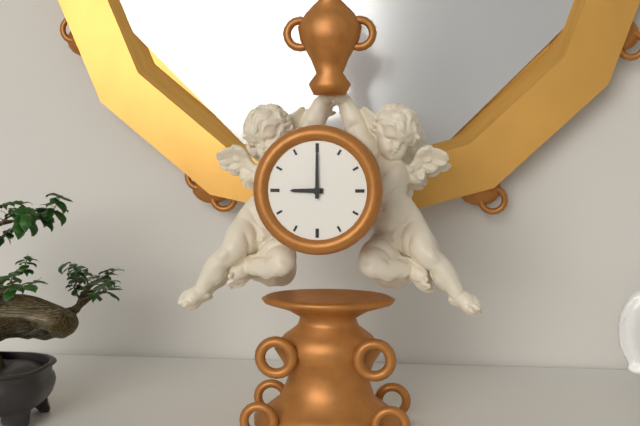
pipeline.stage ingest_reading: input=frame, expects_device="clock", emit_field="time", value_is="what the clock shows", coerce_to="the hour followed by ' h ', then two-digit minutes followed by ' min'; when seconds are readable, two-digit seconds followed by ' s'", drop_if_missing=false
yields 9 h 00 min
